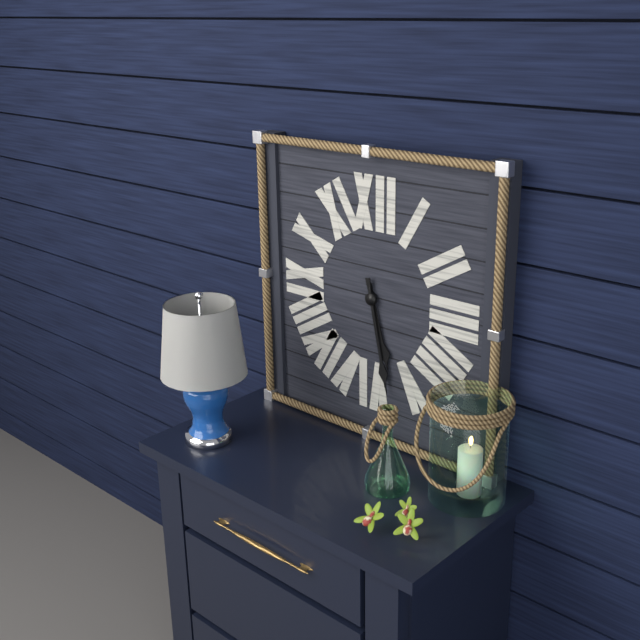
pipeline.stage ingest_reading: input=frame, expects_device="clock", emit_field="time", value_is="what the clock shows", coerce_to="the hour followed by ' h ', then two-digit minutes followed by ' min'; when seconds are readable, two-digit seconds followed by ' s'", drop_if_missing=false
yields 5 h 28 min
